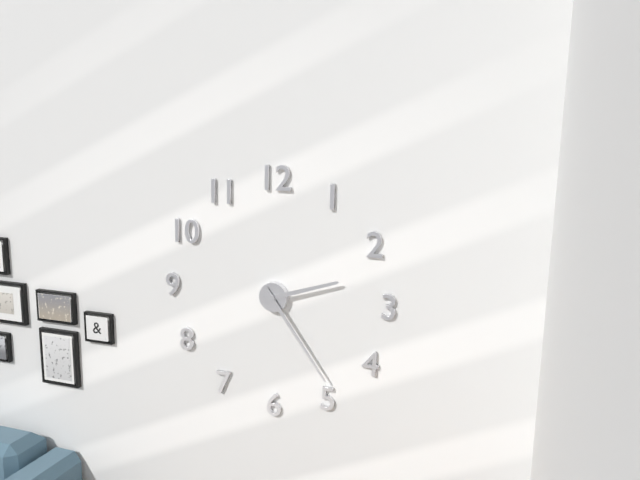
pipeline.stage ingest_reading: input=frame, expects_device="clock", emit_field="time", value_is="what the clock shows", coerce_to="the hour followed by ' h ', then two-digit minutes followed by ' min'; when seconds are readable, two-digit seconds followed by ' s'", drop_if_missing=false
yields 2 h 24 min
